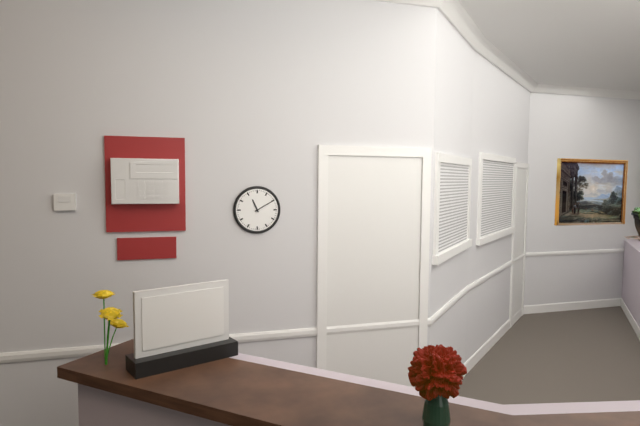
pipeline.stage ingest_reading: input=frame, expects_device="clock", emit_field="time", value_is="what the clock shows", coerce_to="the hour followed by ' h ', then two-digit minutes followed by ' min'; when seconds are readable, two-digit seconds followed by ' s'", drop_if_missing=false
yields 11 h 10 min
